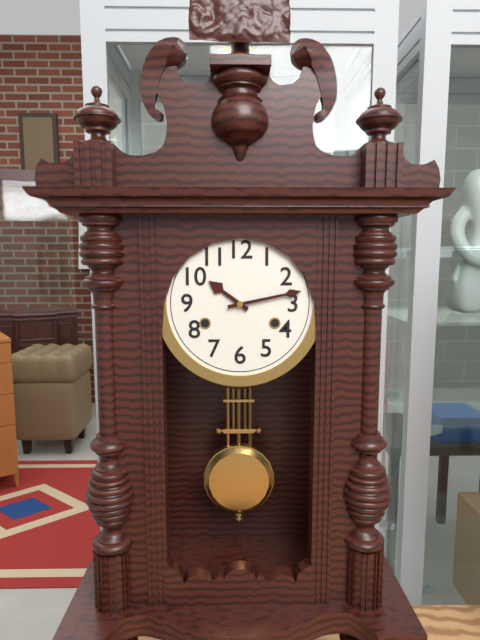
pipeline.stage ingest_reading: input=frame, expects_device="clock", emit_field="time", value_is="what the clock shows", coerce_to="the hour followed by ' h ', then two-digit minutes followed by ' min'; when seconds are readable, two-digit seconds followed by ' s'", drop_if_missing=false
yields 10 h 13 min
